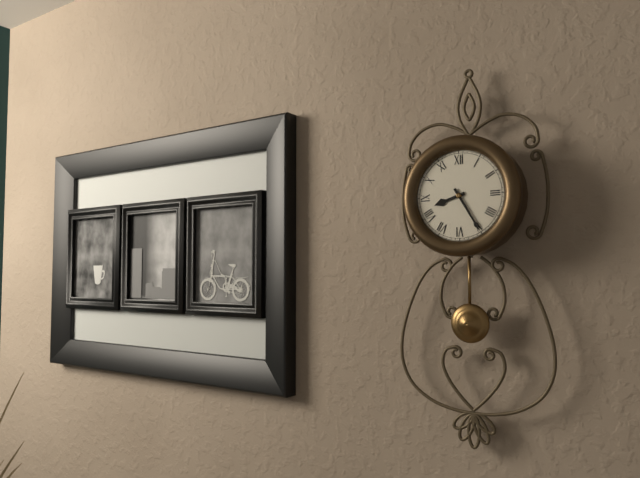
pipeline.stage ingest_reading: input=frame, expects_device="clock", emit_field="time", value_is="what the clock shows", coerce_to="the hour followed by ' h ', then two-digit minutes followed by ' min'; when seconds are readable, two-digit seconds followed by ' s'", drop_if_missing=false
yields 8 h 25 min
